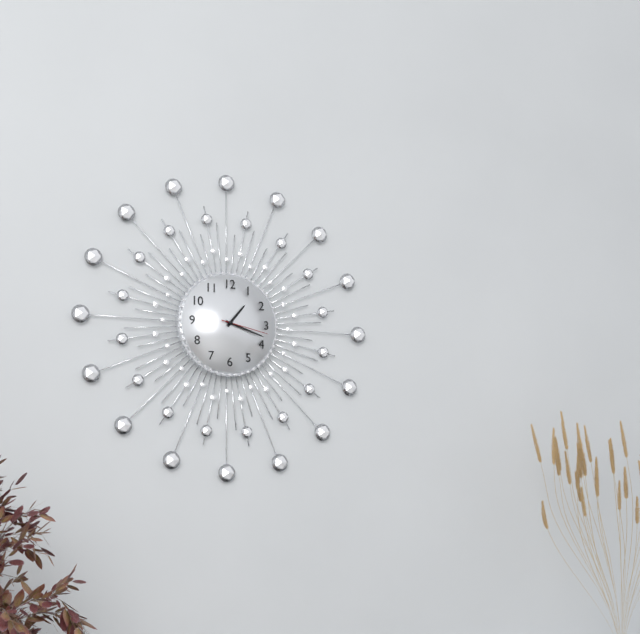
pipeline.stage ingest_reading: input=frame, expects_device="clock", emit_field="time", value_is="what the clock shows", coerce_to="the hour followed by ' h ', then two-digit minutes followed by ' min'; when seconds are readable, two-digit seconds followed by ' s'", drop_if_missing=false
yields 1 h 18 min 17 s
